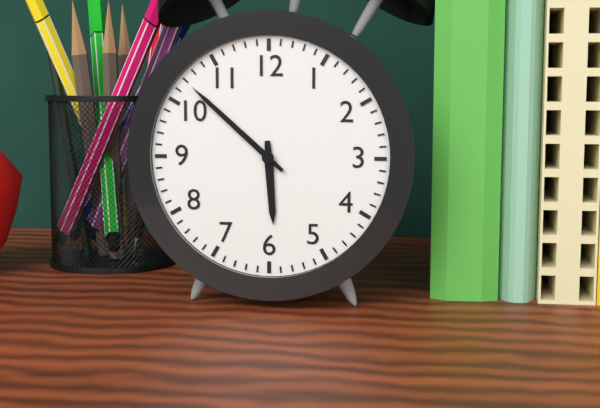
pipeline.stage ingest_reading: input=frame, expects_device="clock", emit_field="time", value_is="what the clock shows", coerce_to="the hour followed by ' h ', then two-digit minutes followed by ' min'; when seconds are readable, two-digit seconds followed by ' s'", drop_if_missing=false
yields 5 h 52 min
